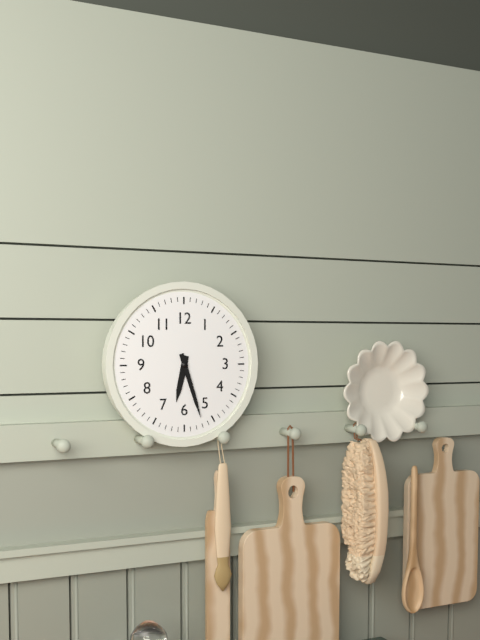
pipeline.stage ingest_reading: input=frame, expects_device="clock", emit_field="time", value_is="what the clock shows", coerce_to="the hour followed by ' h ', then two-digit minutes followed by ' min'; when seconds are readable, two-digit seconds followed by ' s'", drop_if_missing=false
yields 6 h 27 min
